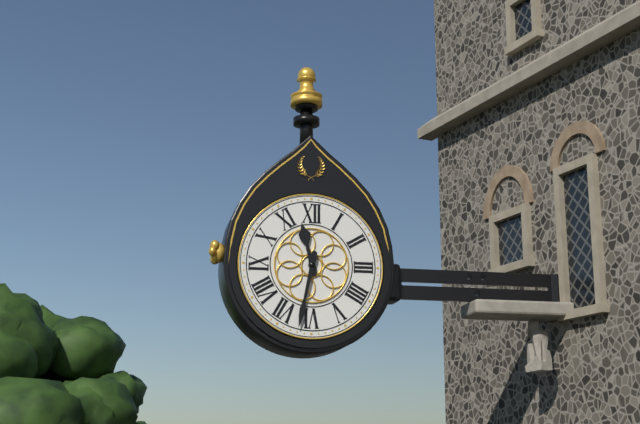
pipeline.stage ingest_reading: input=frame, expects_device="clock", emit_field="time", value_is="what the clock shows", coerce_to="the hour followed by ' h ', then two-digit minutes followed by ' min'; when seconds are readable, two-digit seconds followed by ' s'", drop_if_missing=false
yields 11 h 32 min
